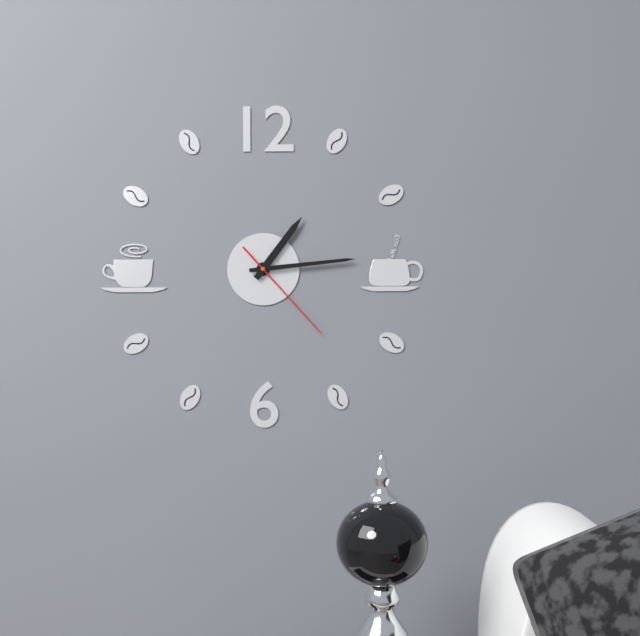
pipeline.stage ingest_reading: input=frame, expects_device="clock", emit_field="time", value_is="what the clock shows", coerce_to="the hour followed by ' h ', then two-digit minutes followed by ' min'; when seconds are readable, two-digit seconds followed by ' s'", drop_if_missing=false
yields 1 h 14 min 23 s
